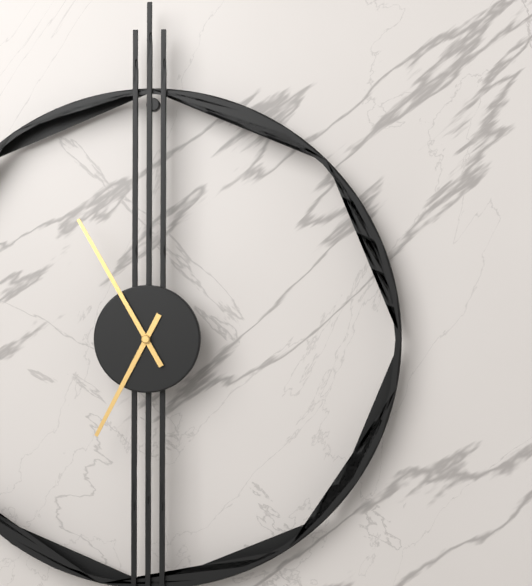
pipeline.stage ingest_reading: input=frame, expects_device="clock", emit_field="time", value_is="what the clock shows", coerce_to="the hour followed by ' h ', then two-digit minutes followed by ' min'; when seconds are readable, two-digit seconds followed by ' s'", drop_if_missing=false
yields 6 h 55 min
